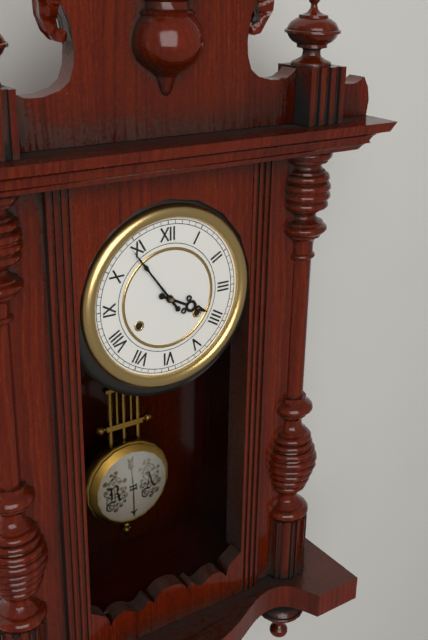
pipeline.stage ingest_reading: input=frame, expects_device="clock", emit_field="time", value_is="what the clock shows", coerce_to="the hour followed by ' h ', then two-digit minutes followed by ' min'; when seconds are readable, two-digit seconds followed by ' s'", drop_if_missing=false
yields 3 h 54 min
